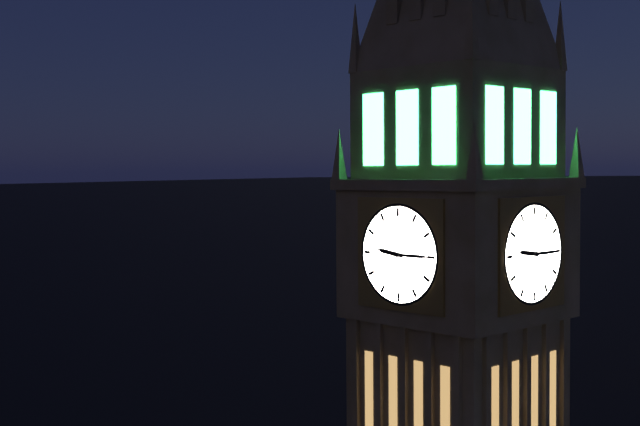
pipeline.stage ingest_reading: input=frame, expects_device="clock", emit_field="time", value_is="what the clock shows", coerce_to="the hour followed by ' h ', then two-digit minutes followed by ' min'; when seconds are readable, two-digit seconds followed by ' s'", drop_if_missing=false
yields 9 h 15 min
